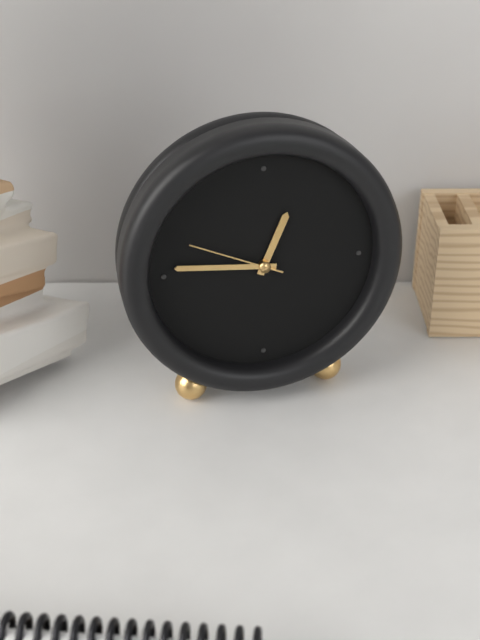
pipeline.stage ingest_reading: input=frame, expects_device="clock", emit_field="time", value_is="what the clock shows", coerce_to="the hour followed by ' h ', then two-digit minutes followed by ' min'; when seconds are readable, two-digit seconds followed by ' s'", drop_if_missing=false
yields 12 h 46 min 49 s
